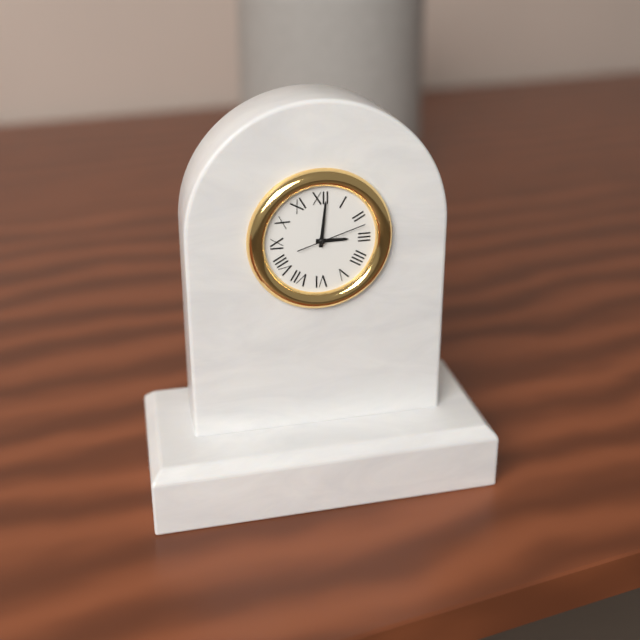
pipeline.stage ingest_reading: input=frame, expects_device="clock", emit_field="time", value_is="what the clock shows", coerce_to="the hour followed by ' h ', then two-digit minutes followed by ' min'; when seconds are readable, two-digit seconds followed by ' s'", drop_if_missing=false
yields 3 h 01 min 12 s
